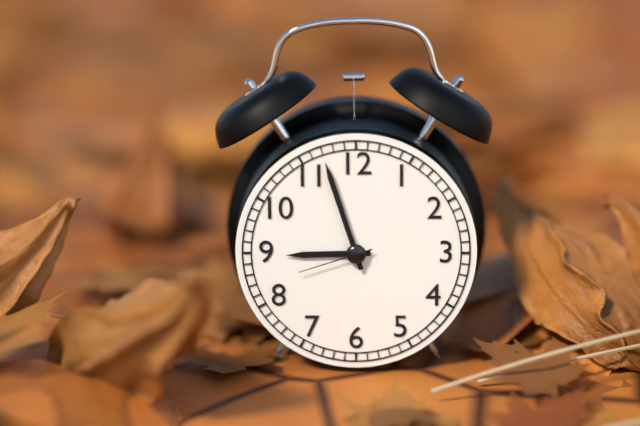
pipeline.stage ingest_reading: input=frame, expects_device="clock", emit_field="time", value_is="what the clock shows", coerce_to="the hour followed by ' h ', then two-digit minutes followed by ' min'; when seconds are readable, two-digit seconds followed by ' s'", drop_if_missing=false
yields 8 h 57 min 42 s
